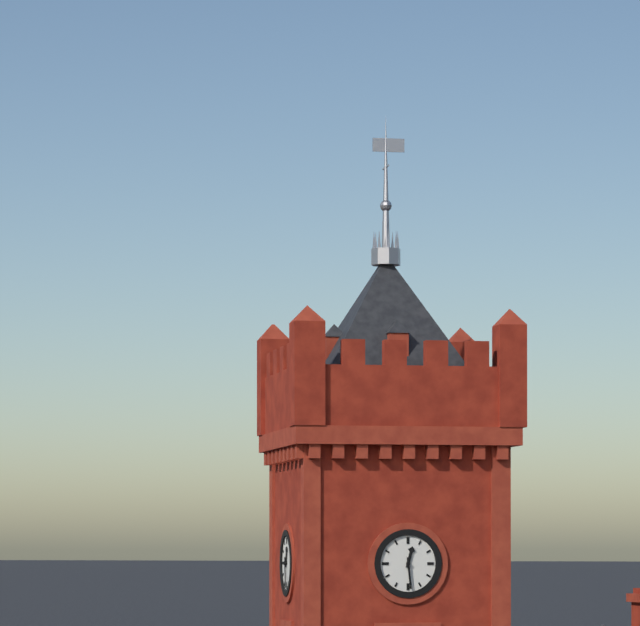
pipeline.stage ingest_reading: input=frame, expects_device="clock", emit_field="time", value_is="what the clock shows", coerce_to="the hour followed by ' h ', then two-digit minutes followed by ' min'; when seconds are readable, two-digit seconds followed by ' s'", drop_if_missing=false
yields 12 h 29 min
